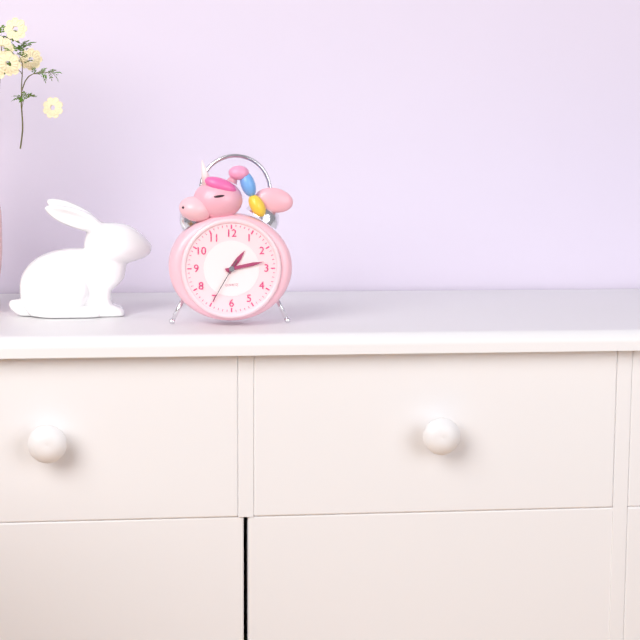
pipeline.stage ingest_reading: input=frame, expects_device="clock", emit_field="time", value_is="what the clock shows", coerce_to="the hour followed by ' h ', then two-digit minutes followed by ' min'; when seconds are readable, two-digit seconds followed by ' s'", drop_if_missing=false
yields 1 h 13 min
